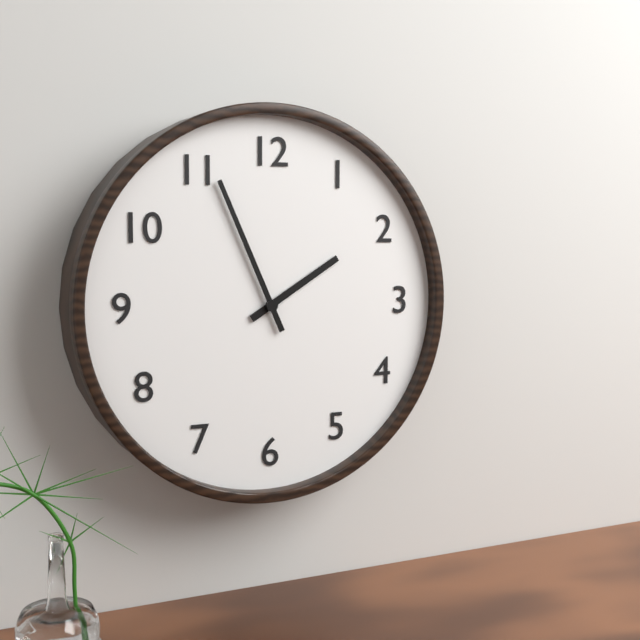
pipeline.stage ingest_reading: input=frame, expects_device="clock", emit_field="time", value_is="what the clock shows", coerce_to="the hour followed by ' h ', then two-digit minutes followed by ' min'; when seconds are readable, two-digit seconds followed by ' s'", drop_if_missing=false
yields 1 h 56 min
